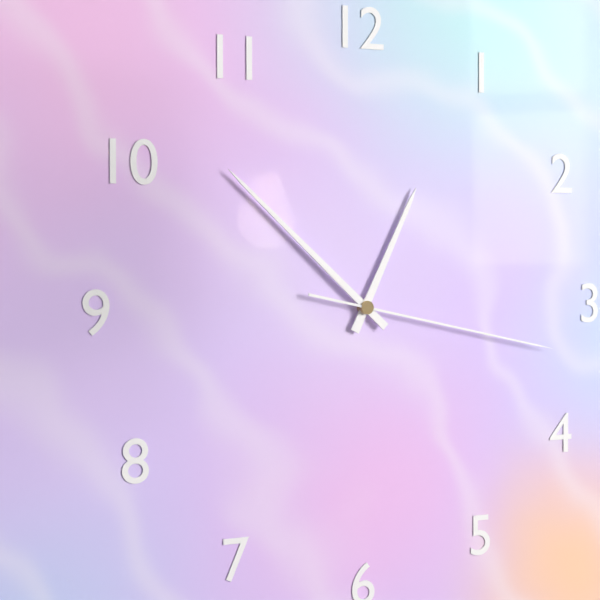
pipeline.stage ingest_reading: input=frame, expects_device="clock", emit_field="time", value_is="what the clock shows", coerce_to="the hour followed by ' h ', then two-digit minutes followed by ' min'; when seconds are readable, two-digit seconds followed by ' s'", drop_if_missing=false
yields 12 h 52 min 17 s
